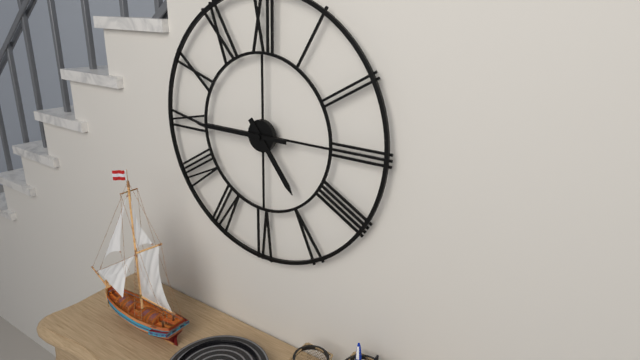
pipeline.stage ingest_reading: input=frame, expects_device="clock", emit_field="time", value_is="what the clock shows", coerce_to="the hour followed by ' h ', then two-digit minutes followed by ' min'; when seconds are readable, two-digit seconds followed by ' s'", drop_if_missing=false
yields 4 h 45 min
